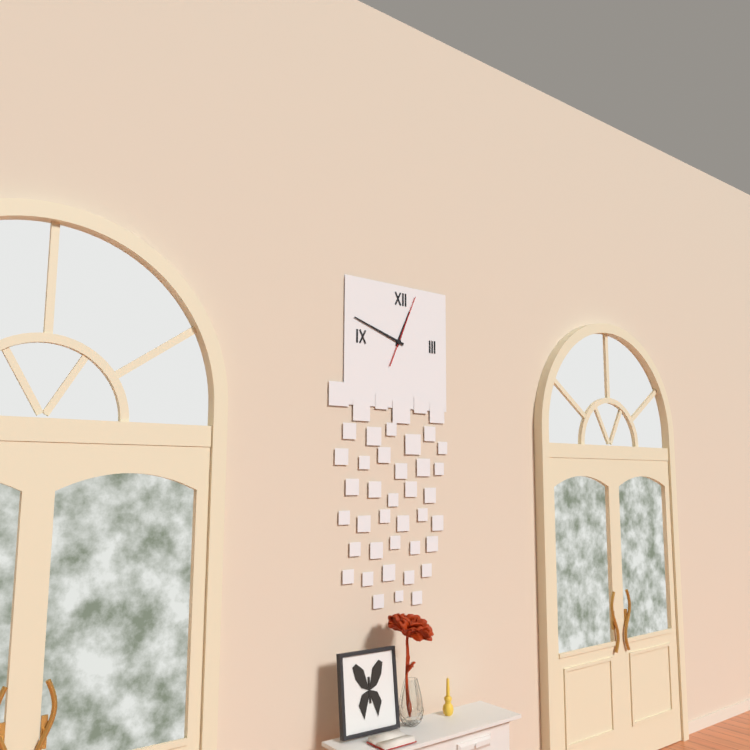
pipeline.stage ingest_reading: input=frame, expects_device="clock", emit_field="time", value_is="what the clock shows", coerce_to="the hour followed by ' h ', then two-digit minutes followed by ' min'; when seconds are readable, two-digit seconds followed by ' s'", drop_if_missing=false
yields 12 h 48 min 04 s
